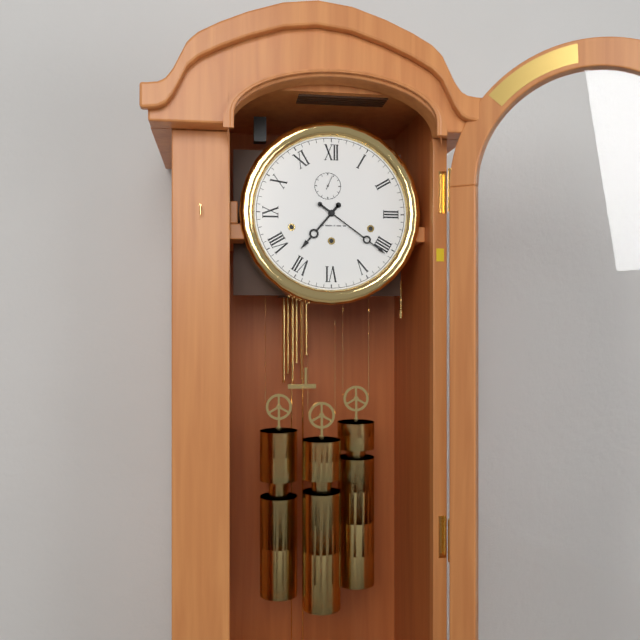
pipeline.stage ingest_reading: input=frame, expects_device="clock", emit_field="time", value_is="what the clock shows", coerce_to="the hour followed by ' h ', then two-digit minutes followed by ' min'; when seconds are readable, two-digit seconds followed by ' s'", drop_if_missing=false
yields 7 h 21 min
